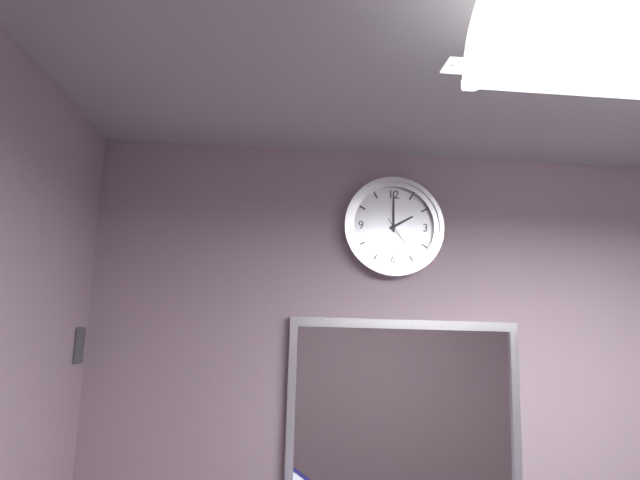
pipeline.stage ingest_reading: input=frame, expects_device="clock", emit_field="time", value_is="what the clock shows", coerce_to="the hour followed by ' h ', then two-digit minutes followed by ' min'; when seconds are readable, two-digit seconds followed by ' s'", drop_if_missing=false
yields 2 h 00 min
